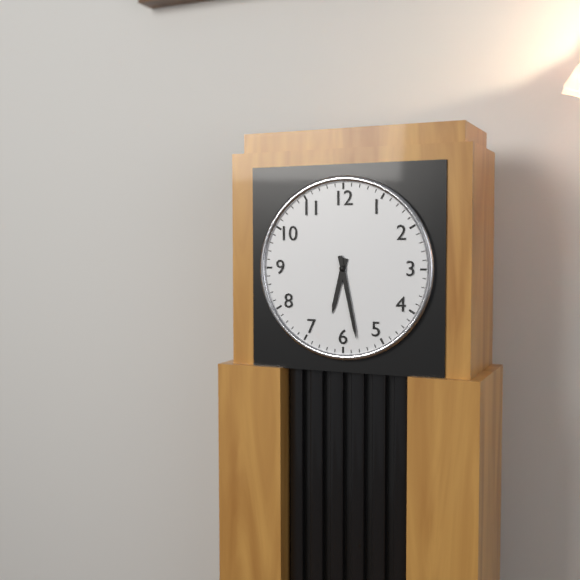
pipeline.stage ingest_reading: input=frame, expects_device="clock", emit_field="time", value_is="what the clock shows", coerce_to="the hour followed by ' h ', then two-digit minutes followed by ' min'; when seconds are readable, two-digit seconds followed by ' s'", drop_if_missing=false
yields 6 h 28 min
